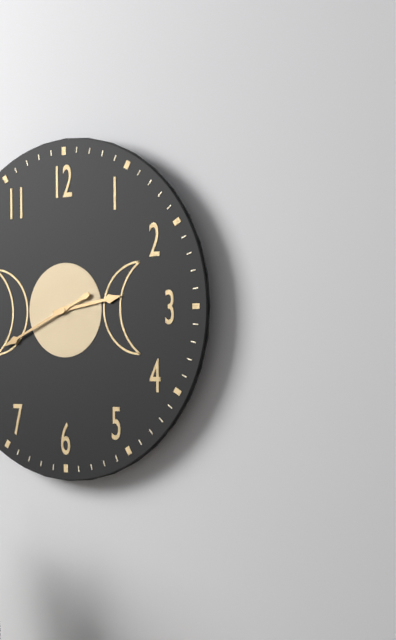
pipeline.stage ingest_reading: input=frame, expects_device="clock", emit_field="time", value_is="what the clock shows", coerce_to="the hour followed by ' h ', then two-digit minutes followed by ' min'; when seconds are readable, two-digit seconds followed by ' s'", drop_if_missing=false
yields 2 h 41 min
